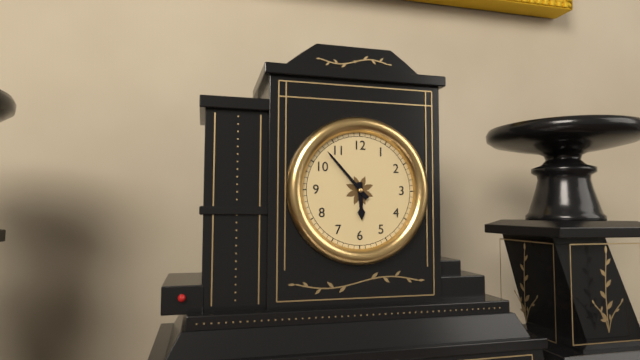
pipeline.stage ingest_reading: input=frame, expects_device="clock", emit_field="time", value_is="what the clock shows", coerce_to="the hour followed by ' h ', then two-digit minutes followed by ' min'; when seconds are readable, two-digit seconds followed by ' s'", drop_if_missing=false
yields 5 h 53 min
